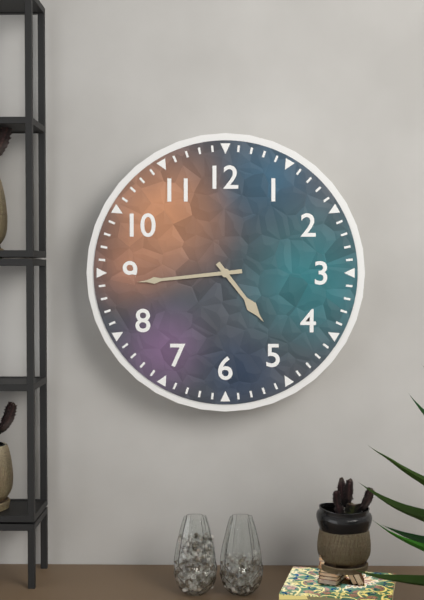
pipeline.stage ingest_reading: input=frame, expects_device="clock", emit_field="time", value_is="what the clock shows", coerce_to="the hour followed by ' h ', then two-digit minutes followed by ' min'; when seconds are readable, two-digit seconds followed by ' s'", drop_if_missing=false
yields 4 h 44 min
